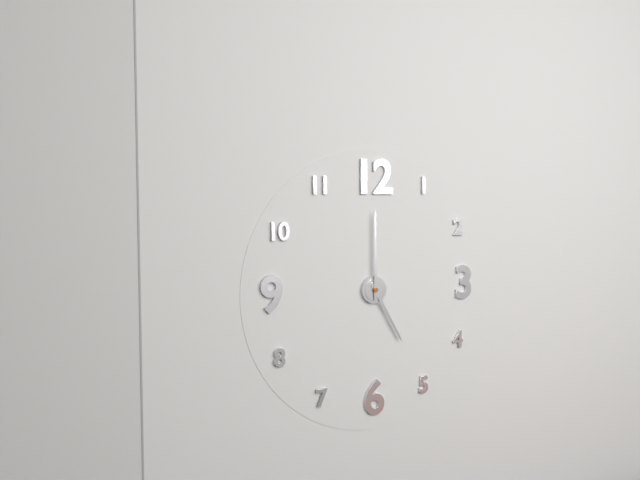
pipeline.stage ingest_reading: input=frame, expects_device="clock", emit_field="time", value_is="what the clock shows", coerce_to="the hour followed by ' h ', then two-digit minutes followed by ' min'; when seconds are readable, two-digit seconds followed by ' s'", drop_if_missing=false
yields 5 h 00 min
